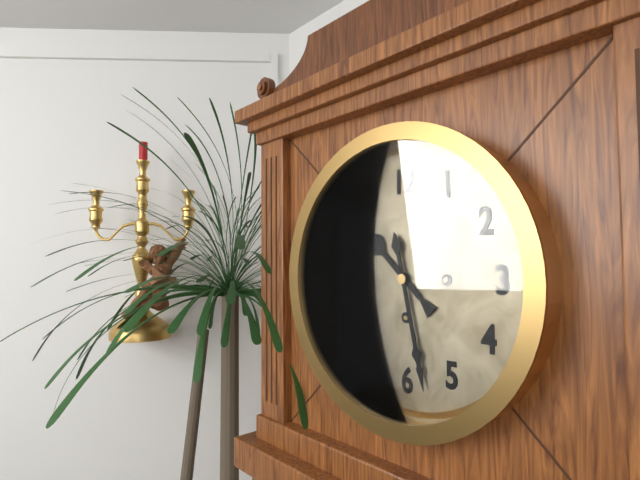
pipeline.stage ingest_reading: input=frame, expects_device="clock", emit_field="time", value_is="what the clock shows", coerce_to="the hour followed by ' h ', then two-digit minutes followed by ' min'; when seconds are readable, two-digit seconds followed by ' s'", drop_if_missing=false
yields 10 h 28 min
